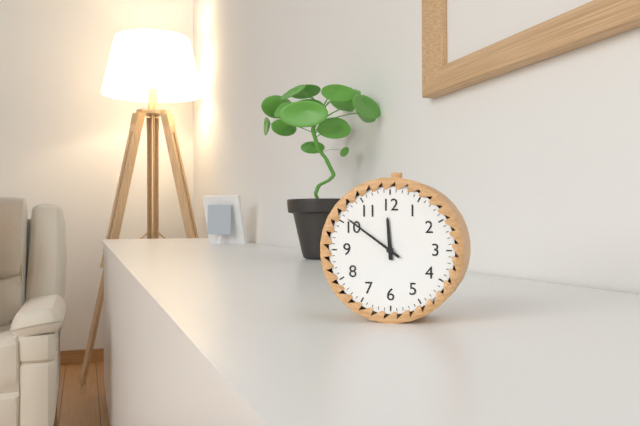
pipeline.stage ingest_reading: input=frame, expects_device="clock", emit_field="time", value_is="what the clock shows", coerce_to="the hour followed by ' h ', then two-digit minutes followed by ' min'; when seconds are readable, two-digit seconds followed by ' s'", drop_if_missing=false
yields 11 h 51 min
